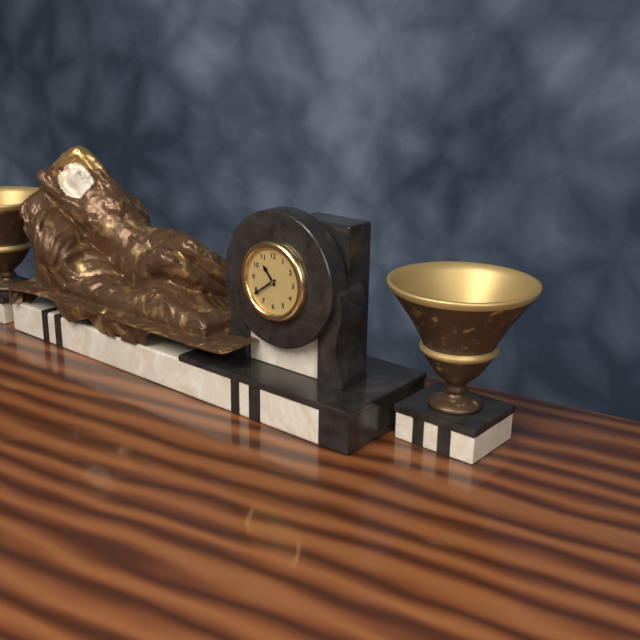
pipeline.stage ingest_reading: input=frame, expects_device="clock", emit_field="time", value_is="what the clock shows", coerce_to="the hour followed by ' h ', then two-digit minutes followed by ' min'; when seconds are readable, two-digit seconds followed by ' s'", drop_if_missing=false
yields 10 h 39 min
